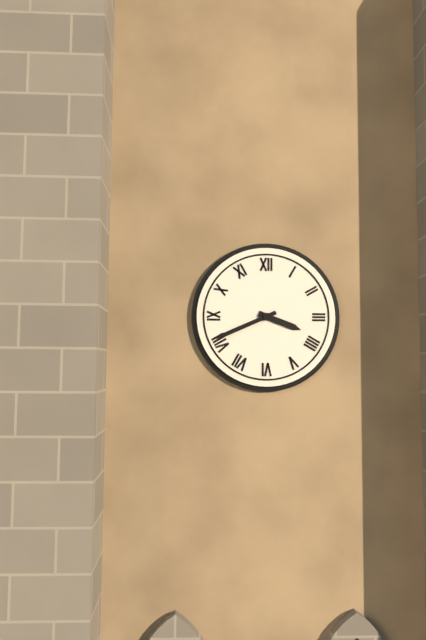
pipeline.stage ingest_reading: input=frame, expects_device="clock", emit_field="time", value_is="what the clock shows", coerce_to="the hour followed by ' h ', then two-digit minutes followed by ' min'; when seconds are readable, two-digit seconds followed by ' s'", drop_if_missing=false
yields 3 h 41 min
